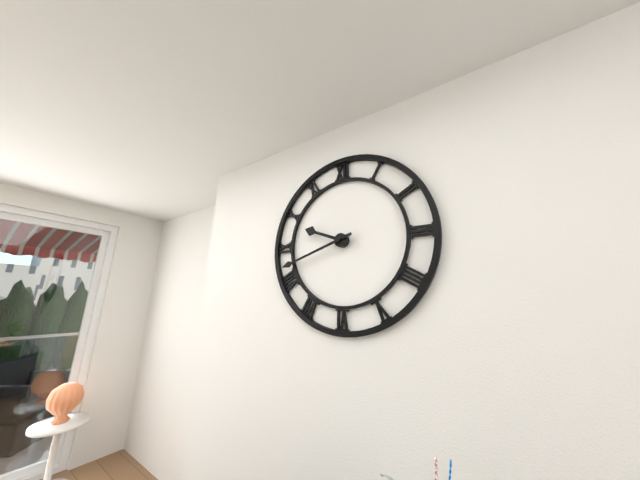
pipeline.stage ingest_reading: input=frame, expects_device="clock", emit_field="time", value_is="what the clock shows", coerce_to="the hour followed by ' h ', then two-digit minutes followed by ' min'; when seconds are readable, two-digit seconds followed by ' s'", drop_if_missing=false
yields 9 h 42 min
